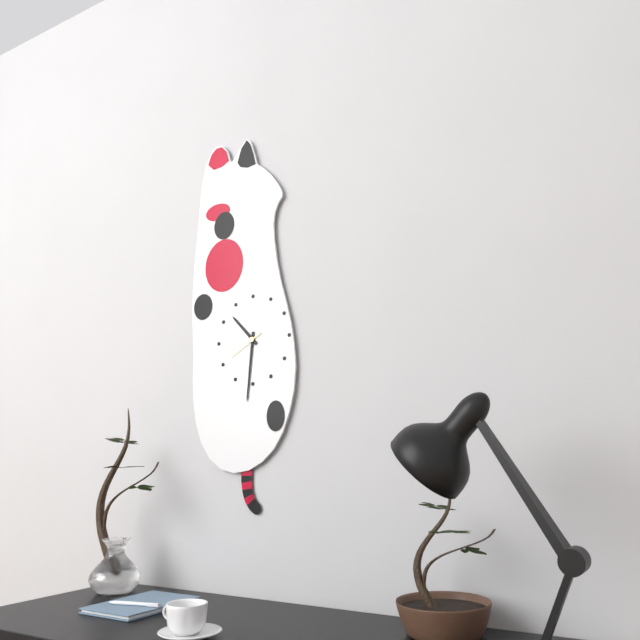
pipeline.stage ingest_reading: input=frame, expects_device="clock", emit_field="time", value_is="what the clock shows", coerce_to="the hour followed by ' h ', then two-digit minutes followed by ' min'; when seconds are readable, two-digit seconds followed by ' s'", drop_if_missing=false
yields 10 h 31 min
